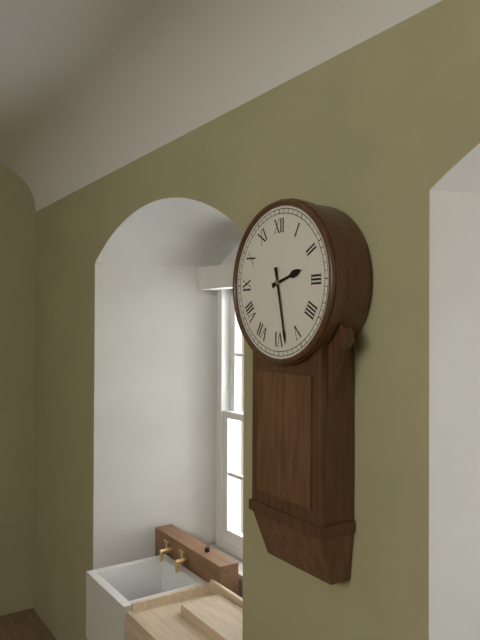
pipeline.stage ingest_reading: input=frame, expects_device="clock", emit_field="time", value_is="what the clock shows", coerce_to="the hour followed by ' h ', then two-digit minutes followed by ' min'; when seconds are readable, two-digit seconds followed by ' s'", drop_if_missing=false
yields 2 h 28 min
